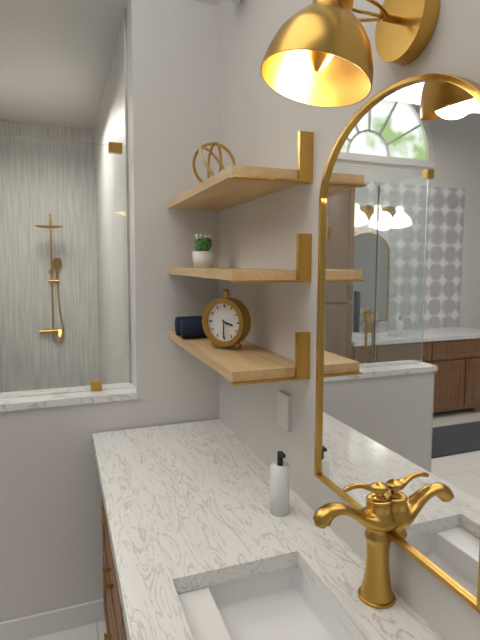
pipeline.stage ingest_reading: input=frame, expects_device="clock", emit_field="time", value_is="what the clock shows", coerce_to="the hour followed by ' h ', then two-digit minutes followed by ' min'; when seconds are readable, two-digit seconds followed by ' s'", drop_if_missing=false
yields 3 h 30 min
